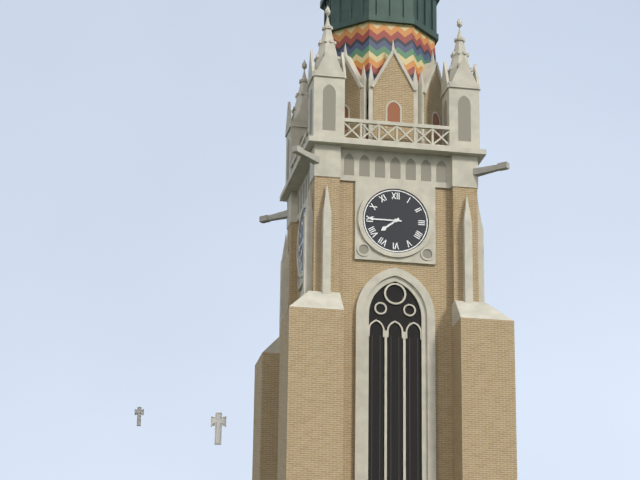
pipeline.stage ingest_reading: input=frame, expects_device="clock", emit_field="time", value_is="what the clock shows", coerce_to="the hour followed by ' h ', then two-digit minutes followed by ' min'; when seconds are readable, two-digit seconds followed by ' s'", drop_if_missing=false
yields 7 h 45 min
